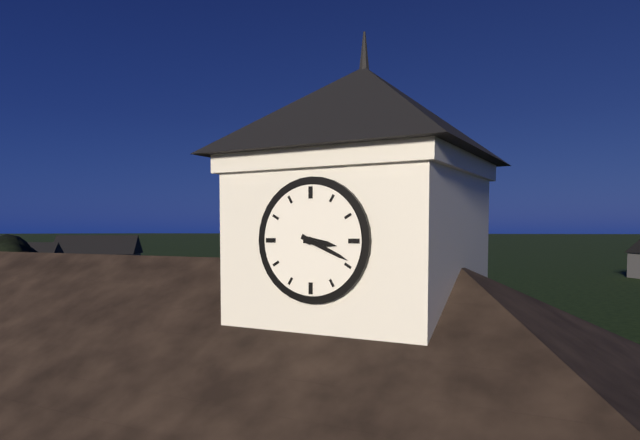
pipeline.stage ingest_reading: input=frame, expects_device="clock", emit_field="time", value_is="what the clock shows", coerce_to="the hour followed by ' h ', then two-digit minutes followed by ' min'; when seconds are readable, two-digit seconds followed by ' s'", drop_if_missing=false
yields 3 h 19 min
